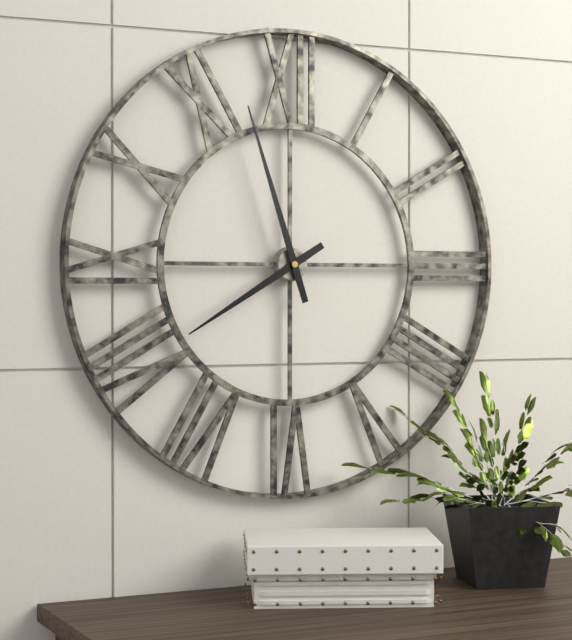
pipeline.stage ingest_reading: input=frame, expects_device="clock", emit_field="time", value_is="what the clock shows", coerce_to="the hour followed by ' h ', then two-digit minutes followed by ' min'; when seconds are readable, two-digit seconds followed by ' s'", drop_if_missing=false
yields 7 h 57 min
